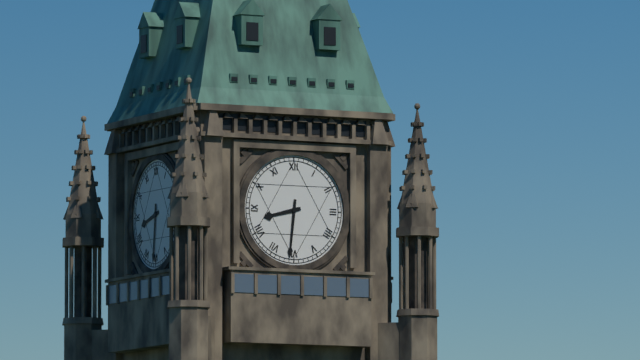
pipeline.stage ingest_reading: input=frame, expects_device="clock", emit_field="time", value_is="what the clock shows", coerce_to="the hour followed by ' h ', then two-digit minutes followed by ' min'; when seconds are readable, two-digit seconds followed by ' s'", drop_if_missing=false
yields 8 h 31 min
